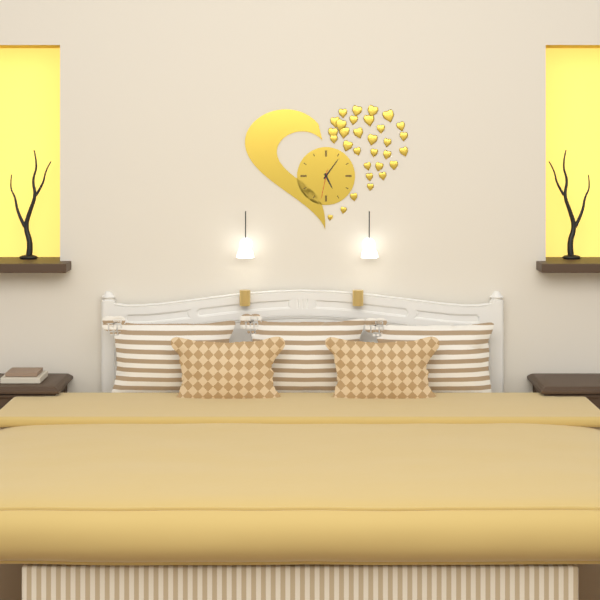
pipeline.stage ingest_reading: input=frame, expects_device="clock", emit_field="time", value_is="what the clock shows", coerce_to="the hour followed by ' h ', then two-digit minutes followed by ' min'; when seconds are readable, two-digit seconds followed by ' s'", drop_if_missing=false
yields 5 h 06 min
